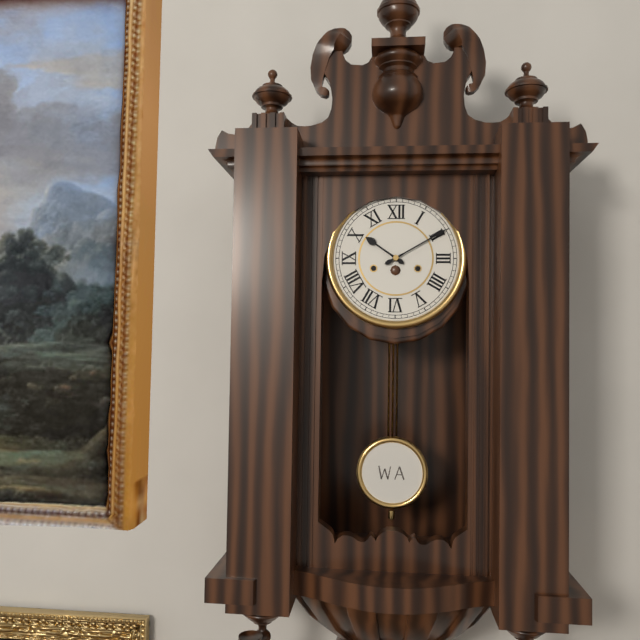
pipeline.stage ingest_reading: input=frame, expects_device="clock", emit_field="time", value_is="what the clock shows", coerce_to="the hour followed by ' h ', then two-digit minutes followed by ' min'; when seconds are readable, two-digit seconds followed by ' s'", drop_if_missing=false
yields 10 h 10 min
